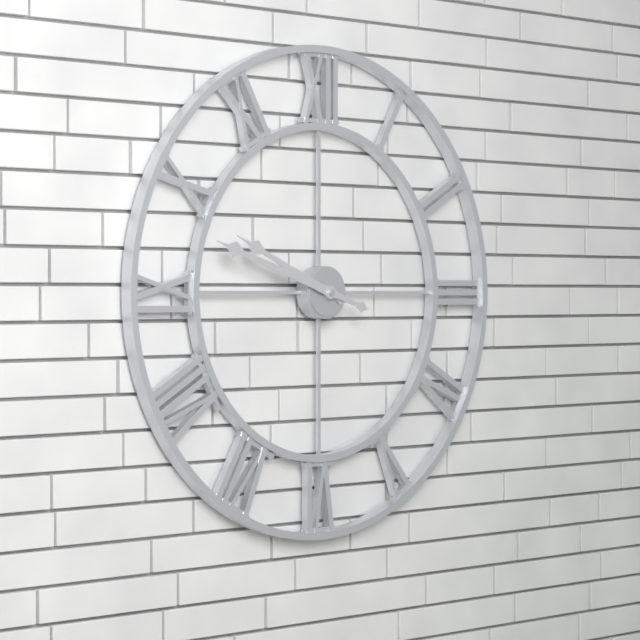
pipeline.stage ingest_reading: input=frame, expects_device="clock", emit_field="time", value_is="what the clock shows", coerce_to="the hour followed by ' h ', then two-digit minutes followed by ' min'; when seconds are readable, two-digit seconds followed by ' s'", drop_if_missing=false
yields 9 h 48 min
